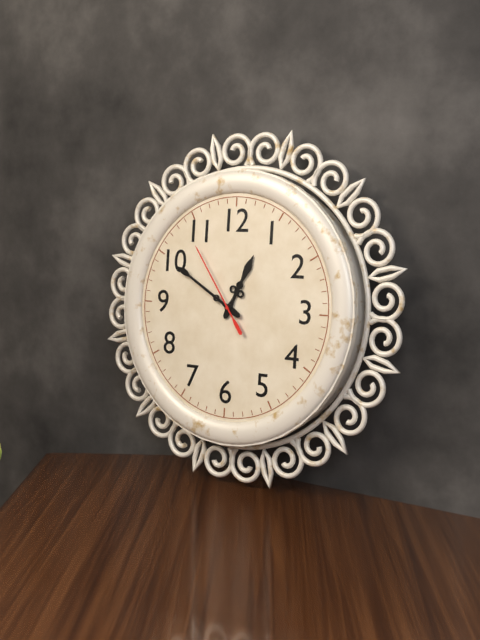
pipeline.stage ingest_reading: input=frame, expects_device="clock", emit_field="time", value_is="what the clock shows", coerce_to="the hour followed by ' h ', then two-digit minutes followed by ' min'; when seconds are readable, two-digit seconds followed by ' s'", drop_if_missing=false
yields 12 h 50 min 54 s
